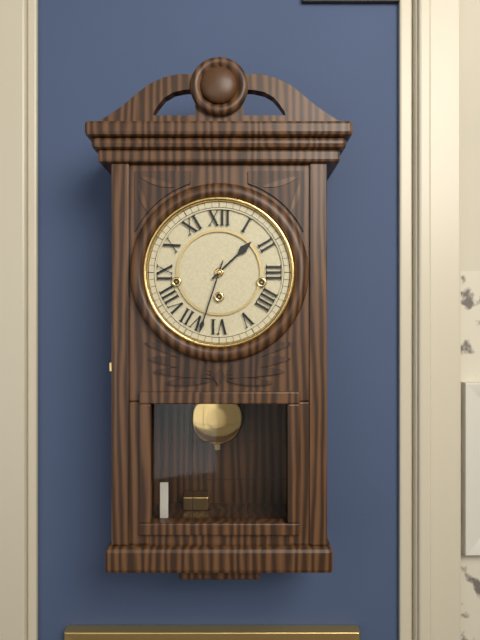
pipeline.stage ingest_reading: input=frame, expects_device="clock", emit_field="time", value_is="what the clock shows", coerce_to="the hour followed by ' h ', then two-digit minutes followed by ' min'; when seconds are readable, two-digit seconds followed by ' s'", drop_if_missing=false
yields 1 h 33 min
